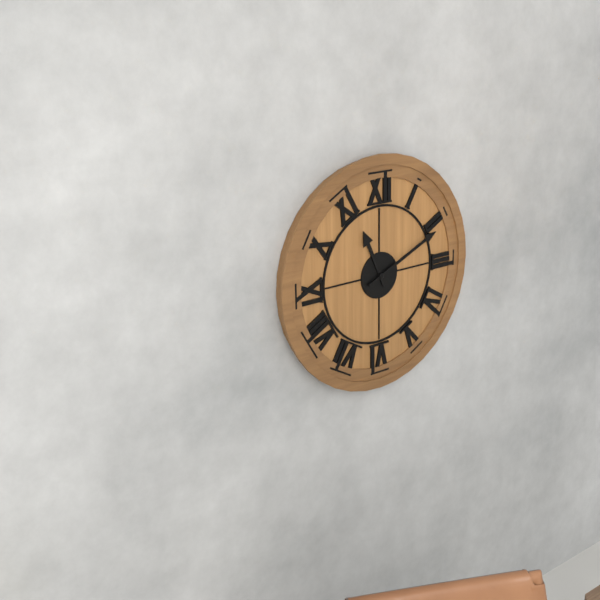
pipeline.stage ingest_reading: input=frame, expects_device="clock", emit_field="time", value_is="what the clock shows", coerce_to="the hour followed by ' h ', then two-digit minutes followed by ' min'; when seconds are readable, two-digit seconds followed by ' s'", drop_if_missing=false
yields 11 h 11 min
